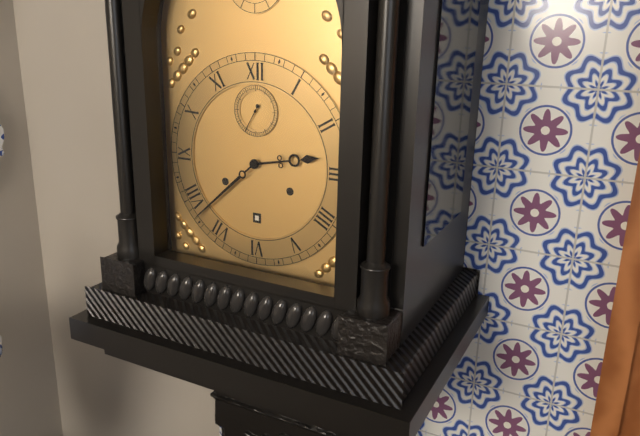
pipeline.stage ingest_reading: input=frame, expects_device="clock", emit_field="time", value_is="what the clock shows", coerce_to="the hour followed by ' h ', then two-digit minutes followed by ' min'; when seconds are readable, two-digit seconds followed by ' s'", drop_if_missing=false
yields 2 h 38 min
